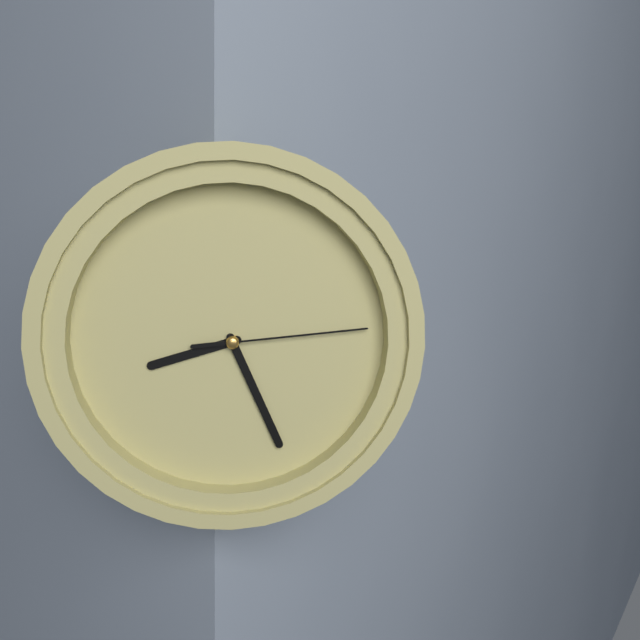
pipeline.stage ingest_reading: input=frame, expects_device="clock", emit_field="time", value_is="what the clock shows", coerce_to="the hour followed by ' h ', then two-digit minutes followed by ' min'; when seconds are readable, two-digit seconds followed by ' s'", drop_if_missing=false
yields 8 h 26 min 14 s
